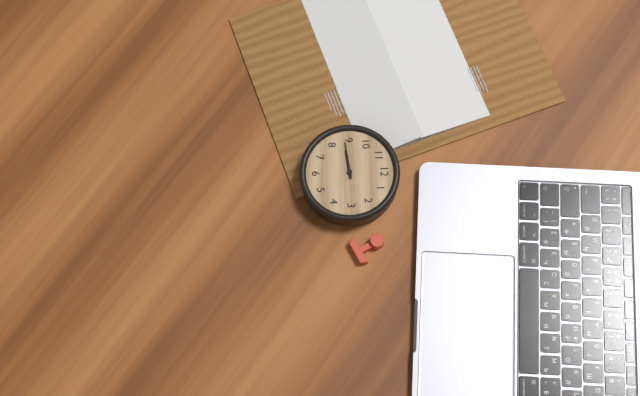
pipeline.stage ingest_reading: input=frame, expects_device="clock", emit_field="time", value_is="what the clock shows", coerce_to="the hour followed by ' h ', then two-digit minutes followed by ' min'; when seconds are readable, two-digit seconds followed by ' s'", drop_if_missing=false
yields 8 h 44 min
